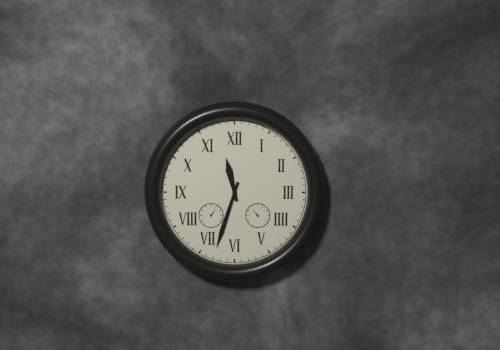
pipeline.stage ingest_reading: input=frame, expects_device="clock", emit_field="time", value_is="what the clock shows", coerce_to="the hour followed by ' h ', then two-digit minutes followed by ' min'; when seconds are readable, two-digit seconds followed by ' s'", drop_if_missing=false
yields 11 h 33 min
